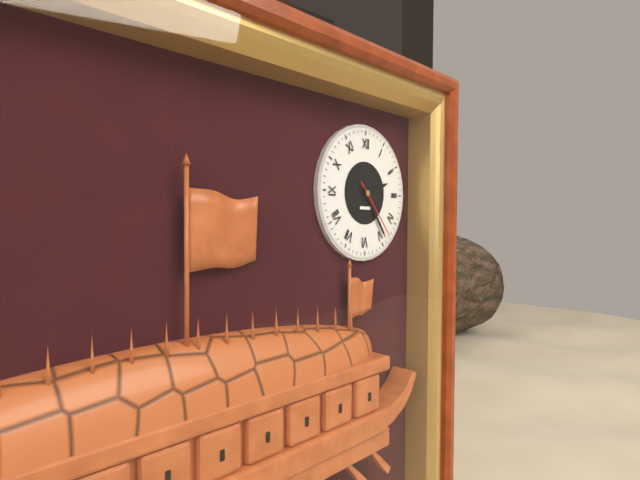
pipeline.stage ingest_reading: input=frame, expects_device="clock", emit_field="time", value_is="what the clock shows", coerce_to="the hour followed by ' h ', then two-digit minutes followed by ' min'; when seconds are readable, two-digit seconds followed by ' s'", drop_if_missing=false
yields 2 h 24 min 23 s
